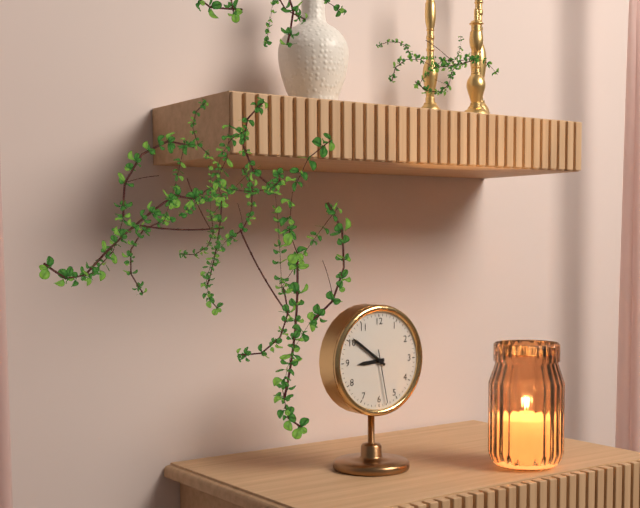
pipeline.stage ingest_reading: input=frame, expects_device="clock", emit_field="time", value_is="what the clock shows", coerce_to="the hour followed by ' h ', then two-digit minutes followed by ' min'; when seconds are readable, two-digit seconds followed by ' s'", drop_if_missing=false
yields 8 h 51 min 28 s
